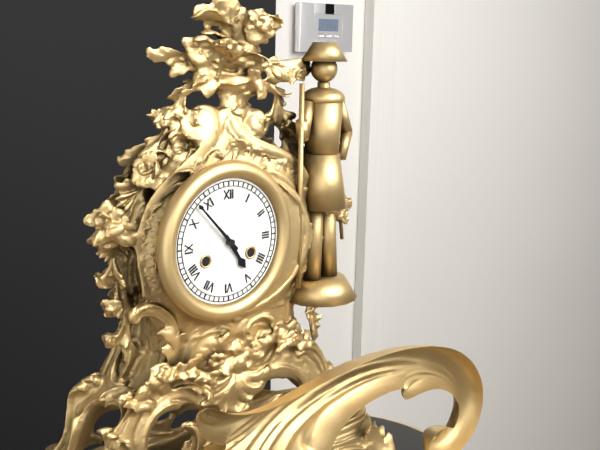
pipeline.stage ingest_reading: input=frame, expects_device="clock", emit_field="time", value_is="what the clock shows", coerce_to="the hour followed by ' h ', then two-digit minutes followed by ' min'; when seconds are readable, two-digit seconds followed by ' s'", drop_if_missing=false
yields 4 h 53 min
